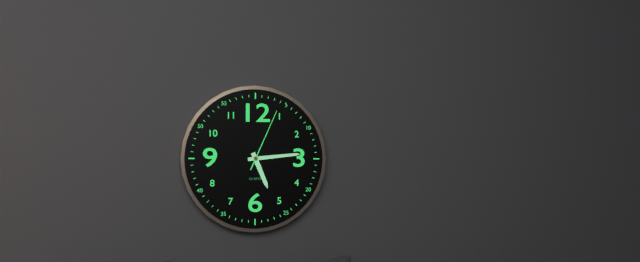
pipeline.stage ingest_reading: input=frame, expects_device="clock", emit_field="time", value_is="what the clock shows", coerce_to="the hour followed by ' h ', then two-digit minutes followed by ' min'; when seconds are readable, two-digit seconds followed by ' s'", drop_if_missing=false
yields 5 h 14 min 04 s
